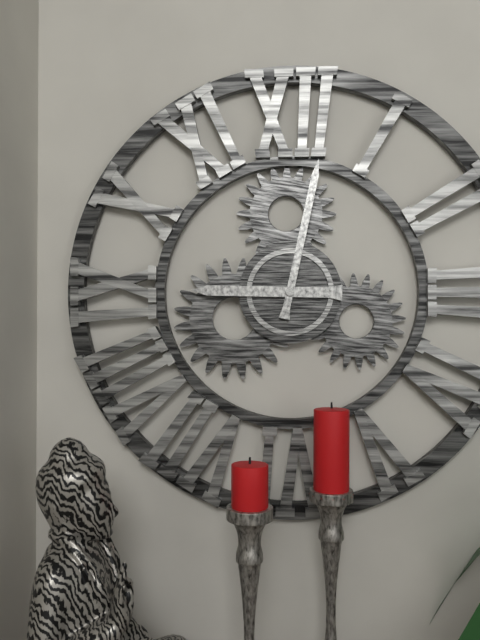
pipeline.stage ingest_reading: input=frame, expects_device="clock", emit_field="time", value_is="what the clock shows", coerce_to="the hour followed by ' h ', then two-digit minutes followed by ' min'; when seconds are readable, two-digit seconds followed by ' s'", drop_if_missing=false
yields 9 h 02 min
